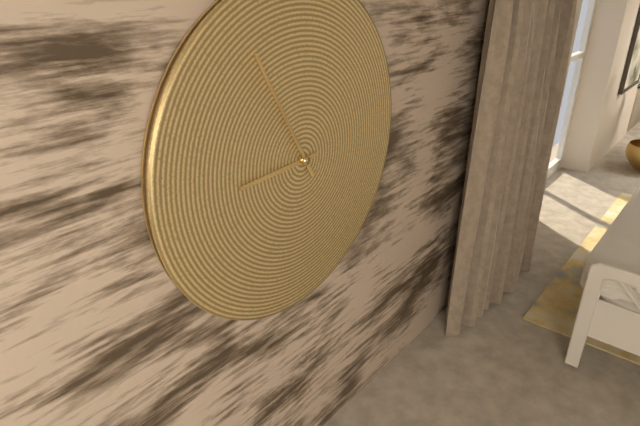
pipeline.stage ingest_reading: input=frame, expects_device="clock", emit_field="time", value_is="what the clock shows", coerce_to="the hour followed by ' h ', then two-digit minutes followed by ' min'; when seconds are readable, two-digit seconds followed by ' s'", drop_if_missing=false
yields 8 h 55 min
